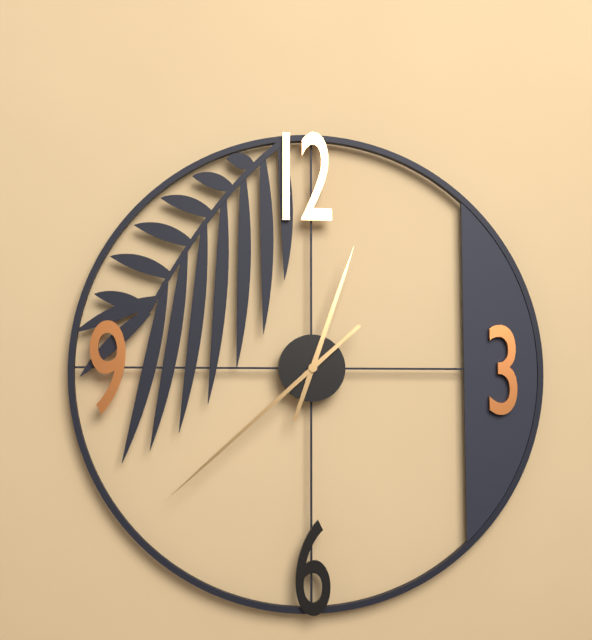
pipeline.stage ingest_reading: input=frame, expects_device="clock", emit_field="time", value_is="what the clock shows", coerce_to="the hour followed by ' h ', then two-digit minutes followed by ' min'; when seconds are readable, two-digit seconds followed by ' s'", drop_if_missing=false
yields 12 h 38 min
